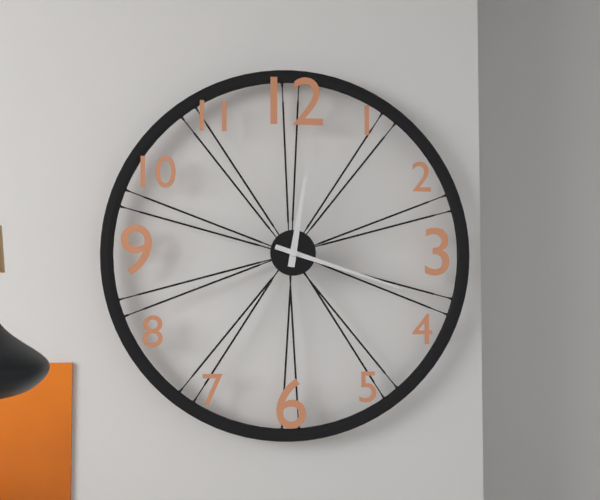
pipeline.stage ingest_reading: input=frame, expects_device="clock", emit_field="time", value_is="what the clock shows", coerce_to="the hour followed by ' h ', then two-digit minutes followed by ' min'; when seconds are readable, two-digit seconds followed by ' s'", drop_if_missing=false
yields 12 h 18 min
